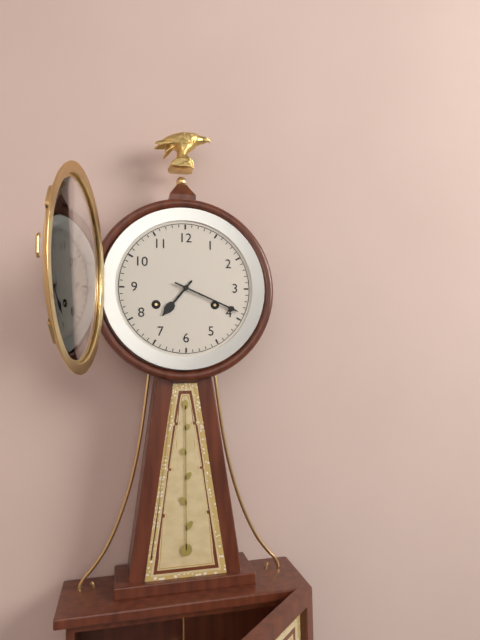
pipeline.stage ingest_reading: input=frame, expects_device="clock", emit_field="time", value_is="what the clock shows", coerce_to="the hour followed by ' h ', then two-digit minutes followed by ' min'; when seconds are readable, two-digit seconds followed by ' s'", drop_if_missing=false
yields 7 h 19 min
